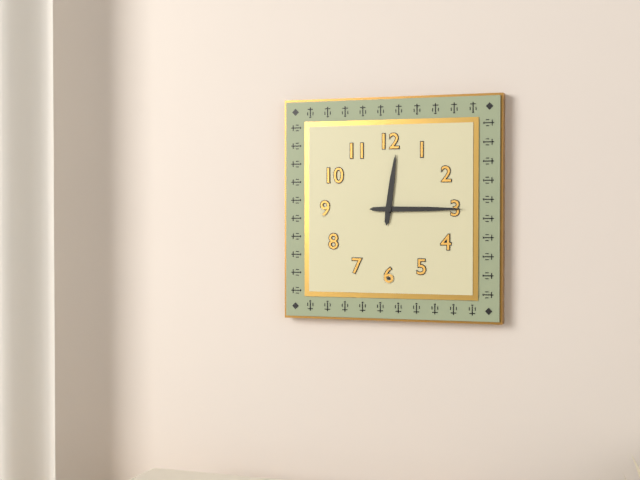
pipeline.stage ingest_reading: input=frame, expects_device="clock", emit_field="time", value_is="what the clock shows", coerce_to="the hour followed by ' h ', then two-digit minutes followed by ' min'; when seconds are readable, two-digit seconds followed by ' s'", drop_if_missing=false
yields 12 h 15 min
